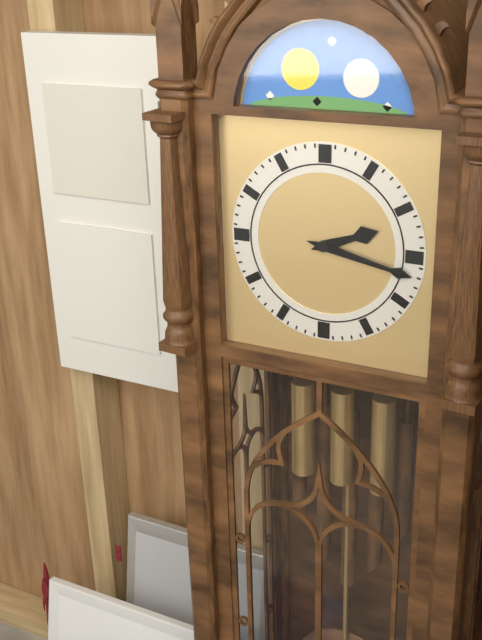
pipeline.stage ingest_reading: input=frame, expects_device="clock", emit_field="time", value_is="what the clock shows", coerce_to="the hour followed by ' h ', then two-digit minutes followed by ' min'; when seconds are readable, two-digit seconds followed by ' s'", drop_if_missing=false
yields 2 h 17 min
